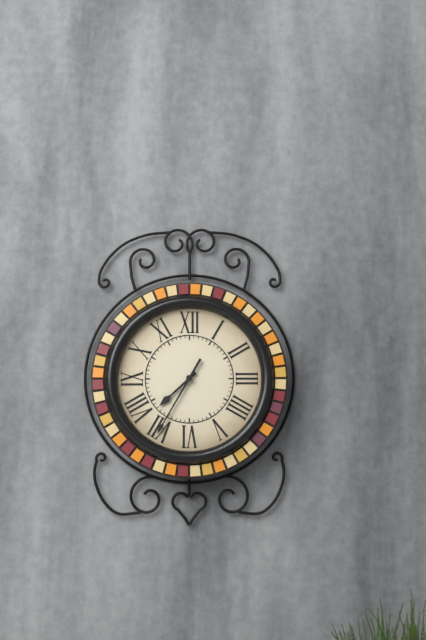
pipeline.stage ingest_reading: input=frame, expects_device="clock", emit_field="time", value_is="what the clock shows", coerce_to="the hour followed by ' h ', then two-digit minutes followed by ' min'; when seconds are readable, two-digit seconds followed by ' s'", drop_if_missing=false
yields 7 h 35 min
